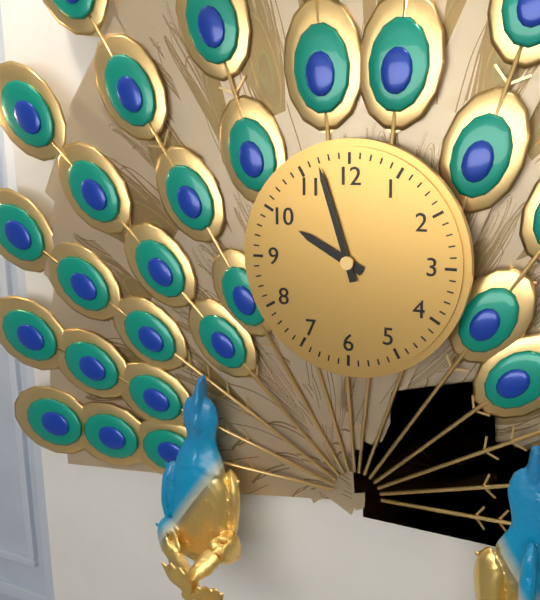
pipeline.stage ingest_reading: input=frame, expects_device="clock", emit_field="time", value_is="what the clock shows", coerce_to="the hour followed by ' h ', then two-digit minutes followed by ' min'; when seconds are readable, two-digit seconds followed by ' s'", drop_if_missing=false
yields 9 h 57 min
